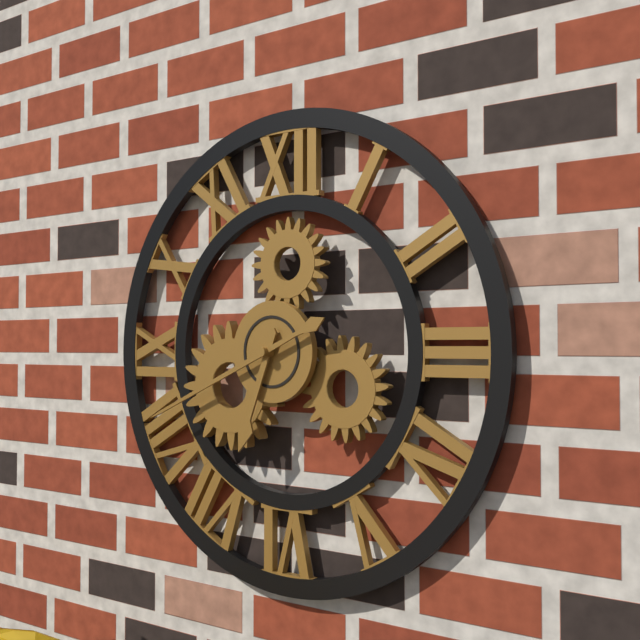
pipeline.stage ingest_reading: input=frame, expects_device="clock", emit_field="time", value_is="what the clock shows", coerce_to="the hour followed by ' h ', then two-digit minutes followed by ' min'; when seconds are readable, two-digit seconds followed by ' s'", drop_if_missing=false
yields 6 h 41 min
